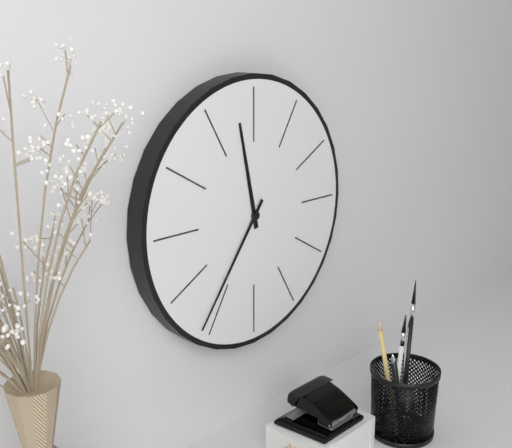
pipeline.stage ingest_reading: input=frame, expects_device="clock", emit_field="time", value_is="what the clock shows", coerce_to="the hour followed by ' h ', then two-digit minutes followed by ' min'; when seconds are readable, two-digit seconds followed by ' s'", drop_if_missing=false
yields 11 h 36 min
